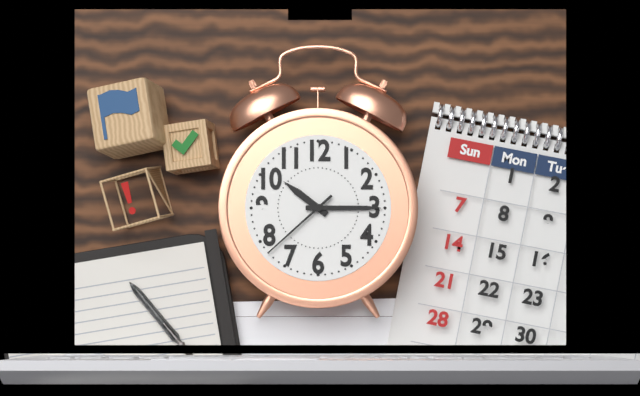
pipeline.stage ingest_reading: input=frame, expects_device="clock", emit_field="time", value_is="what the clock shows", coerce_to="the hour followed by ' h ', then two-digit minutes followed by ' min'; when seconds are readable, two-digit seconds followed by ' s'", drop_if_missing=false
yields 10 h 15 min 38 s
